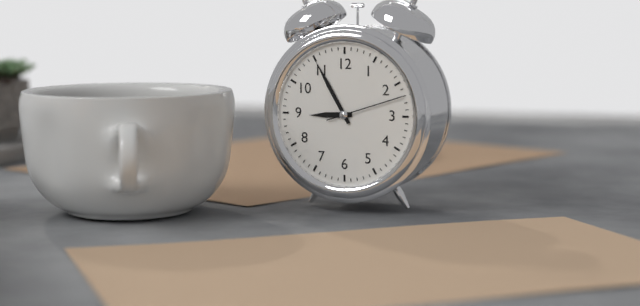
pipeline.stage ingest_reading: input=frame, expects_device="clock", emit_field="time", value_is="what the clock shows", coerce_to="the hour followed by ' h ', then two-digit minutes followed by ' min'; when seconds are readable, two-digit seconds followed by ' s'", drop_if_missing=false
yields 8 h 55 min 12 s
